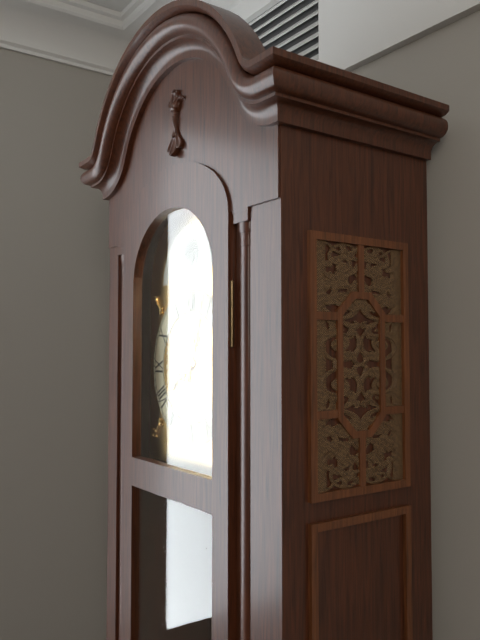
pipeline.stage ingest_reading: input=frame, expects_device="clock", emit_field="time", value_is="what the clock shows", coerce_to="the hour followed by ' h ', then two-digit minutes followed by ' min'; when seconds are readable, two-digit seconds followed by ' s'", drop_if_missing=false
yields 8 h 03 min
